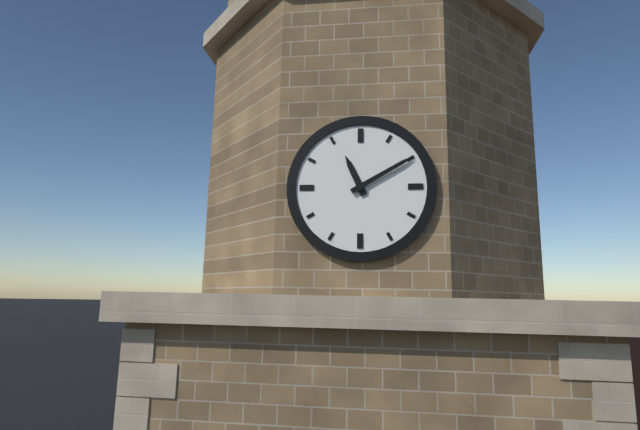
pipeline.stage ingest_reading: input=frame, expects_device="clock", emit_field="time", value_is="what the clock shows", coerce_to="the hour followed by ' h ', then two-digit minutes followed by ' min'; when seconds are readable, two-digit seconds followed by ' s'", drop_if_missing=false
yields 11 h 10 min
